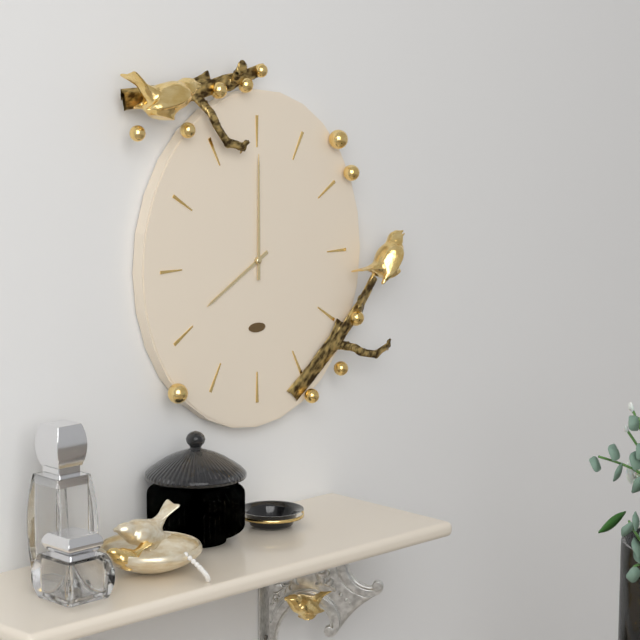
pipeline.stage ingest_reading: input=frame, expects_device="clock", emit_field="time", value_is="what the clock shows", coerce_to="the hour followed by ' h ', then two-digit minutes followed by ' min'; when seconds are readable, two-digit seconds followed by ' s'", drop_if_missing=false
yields 8 h 00 min
